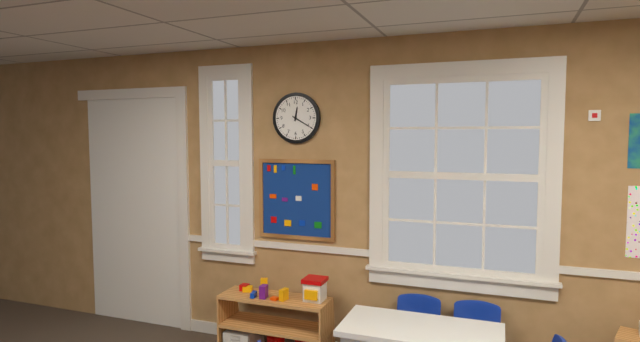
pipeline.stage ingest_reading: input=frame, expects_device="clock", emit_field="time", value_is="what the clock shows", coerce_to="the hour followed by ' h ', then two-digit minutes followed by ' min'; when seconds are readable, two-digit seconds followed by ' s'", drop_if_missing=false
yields 12 h 20 min
